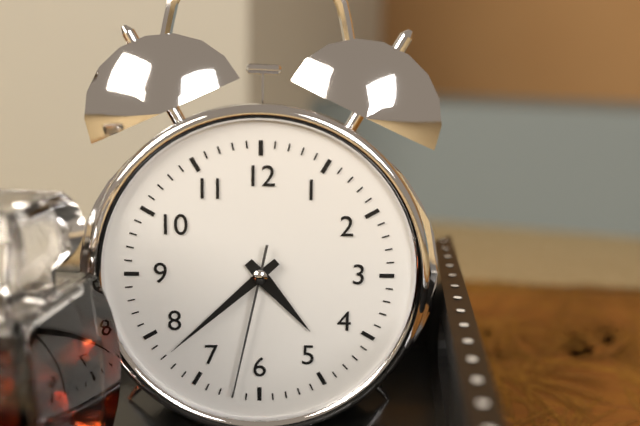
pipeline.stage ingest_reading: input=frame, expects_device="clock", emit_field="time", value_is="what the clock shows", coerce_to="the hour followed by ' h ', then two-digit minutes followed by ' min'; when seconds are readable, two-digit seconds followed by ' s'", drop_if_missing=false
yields 4 h 38 min 32 s
